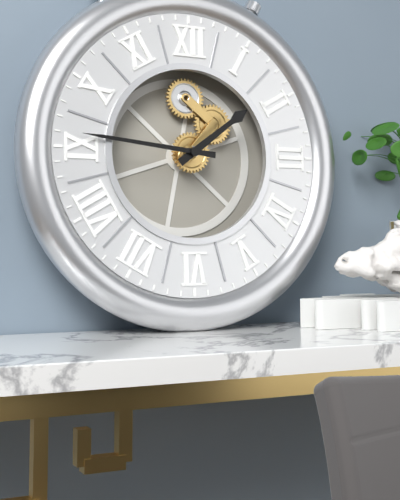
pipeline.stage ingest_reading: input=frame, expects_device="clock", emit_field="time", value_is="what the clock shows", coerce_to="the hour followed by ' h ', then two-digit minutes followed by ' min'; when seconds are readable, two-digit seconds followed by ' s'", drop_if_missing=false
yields 1 h 46 min
